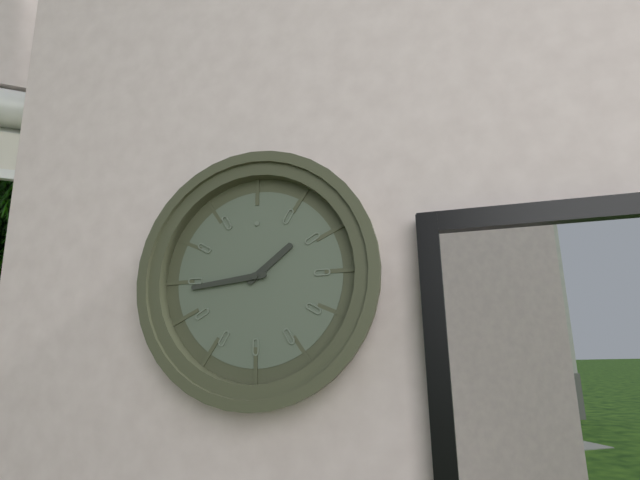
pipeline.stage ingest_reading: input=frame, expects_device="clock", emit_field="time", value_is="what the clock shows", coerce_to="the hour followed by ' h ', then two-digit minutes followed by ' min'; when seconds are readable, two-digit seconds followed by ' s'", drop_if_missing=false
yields 1 h 44 min
